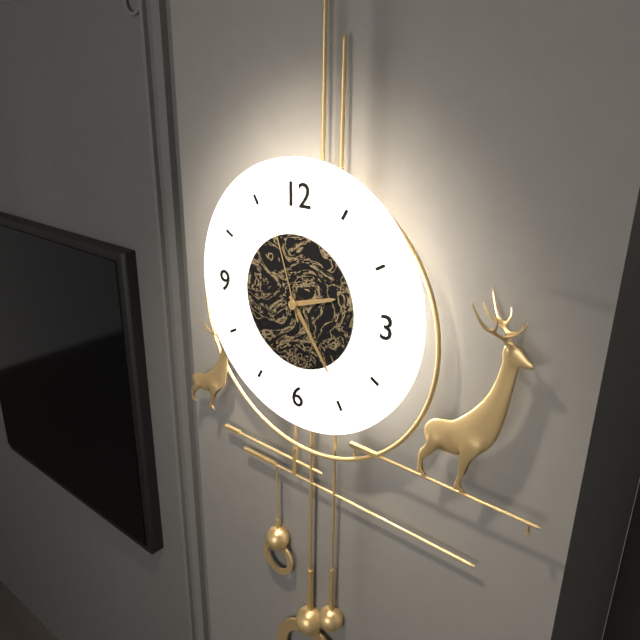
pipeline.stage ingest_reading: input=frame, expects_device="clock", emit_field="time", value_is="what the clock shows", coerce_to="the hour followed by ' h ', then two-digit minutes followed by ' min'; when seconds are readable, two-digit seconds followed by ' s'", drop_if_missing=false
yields 2 h 24 min 57 s
